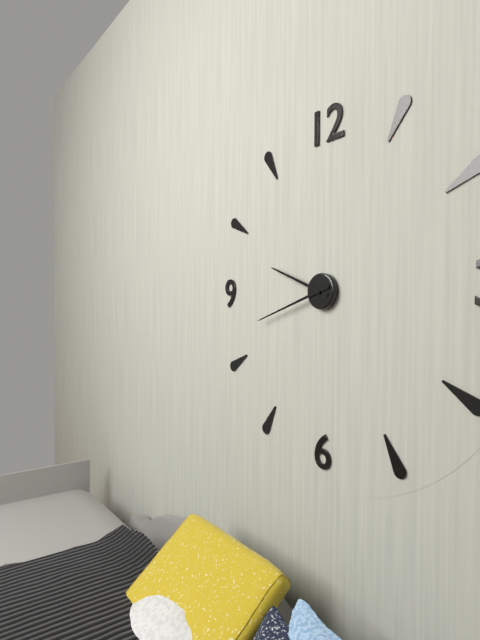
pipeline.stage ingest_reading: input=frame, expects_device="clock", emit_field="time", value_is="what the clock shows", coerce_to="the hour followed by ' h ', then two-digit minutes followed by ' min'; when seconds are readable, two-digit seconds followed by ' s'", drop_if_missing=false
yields 9 h 42 min
